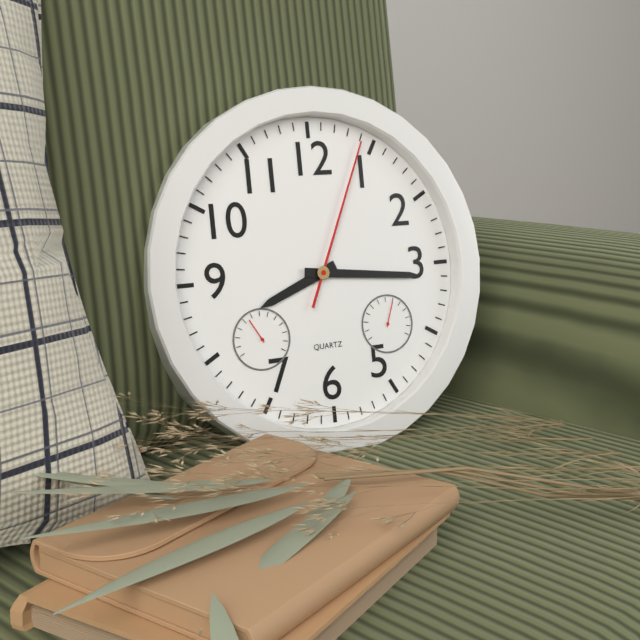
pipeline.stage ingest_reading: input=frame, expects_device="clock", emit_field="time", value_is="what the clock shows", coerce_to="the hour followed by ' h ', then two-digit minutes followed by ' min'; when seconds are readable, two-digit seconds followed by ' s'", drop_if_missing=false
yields 8 h 16 min 04 s
